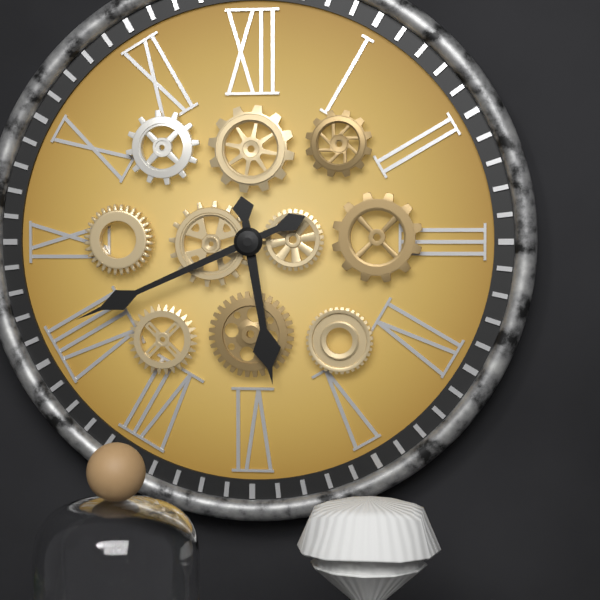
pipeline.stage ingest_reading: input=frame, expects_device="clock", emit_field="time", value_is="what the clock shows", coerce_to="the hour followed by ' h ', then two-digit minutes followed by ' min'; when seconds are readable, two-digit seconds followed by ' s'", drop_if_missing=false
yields 5 h 41 min
